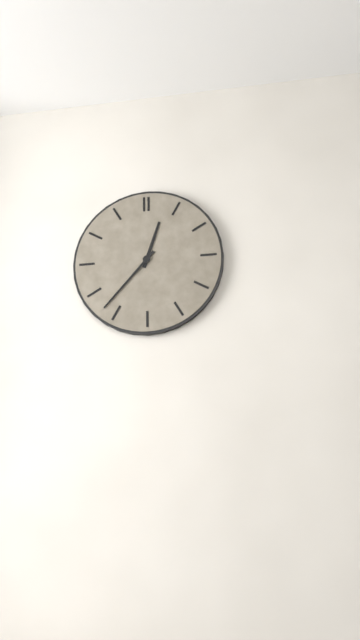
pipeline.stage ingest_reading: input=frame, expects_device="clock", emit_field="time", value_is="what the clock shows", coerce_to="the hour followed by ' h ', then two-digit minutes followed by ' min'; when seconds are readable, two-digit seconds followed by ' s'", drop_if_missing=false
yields 12 h 37 min
